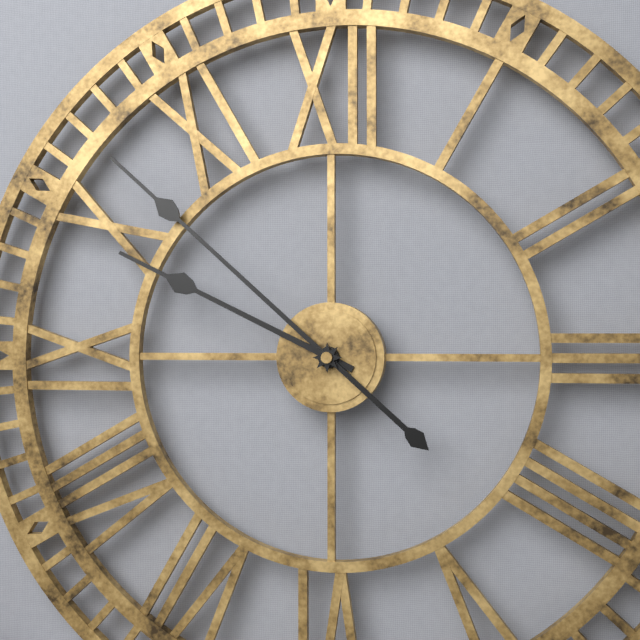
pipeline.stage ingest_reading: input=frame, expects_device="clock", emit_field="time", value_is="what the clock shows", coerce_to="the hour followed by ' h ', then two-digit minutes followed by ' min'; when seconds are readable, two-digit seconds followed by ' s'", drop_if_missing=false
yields 9 h 52 min
